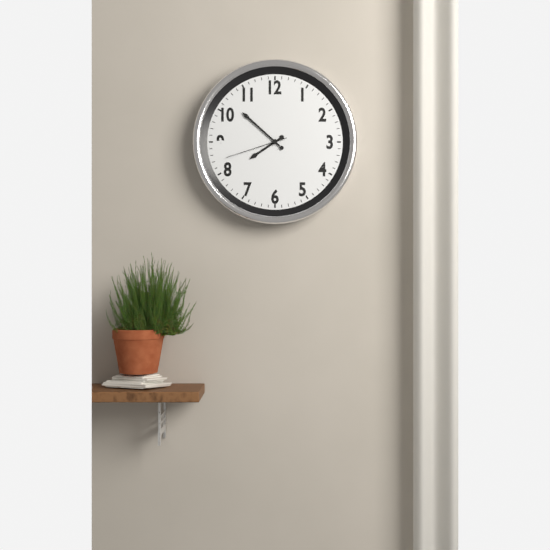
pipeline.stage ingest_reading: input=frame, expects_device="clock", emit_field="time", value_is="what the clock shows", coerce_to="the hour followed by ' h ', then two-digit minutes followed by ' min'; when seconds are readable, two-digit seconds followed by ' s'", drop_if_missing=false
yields 7 h 52 min 42 s
